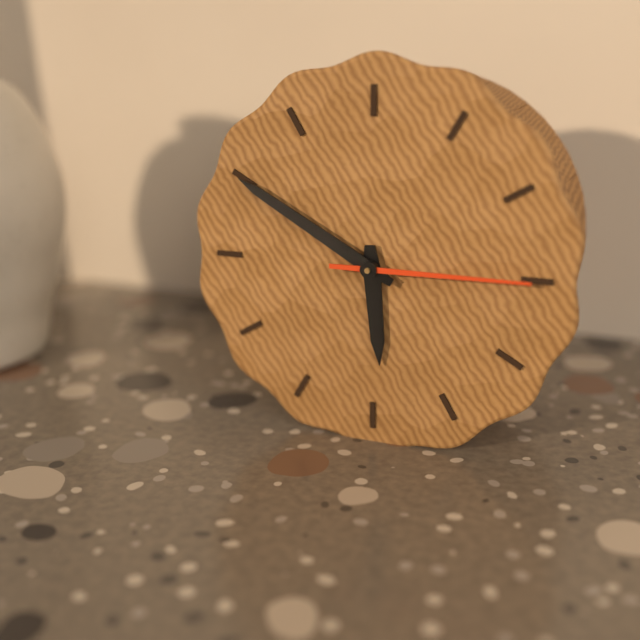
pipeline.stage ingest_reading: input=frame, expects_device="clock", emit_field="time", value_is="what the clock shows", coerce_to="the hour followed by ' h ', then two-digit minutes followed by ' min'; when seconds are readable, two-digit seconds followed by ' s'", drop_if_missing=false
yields 5 h 50 min 15 s
